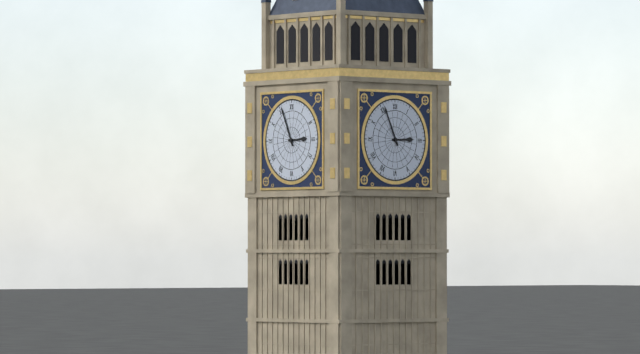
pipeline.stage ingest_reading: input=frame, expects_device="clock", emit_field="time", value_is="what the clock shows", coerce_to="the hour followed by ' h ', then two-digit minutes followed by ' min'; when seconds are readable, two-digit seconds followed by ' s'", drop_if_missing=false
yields 2 h 56 min
